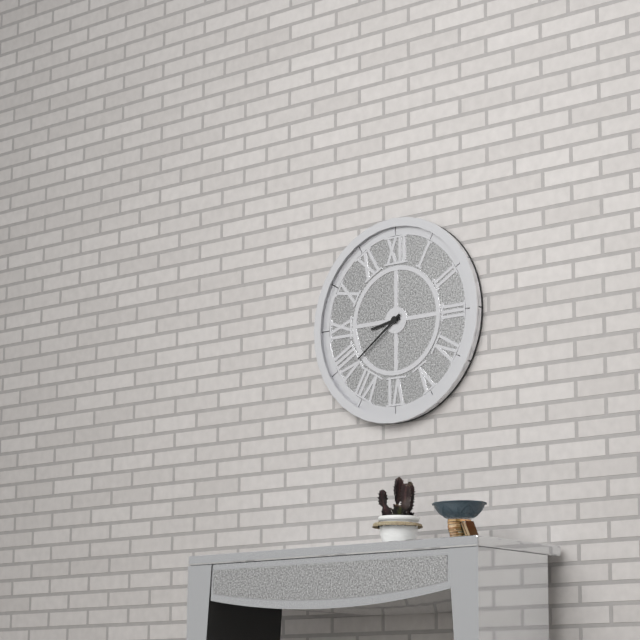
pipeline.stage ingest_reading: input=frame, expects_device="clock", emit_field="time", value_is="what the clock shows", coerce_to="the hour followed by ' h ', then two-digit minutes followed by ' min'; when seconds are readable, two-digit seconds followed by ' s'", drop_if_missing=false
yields 8 h 39 min
